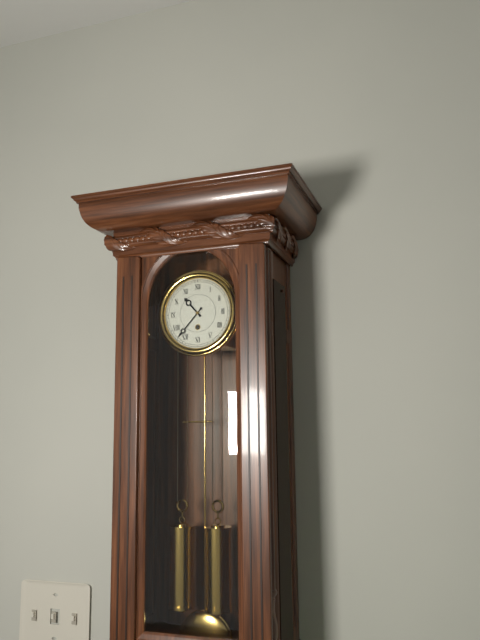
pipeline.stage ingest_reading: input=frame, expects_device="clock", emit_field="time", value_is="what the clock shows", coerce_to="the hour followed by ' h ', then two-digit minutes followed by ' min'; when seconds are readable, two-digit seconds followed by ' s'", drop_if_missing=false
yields 10 h 37 min
